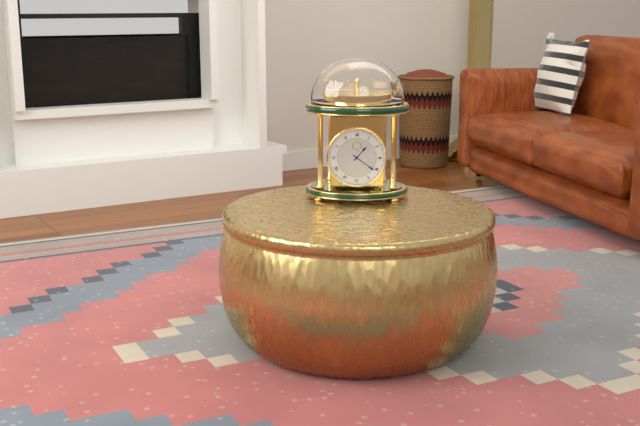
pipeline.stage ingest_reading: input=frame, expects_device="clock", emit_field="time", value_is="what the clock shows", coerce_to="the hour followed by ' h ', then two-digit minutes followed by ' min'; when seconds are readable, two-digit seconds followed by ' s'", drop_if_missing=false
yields 1 h 21 min
